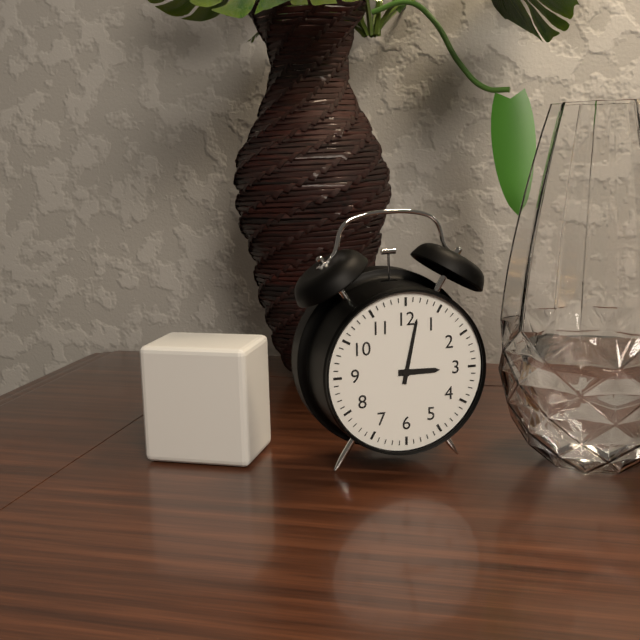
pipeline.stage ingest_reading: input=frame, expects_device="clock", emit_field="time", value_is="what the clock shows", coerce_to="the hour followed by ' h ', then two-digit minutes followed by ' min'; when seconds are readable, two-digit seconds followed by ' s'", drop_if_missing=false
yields 3 h 02 min
